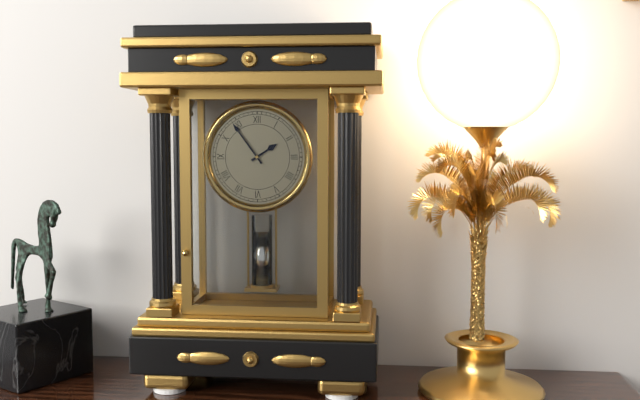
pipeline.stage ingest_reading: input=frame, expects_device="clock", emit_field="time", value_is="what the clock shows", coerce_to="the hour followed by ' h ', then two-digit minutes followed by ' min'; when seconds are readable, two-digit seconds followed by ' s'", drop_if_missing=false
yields 1 h 54 min
